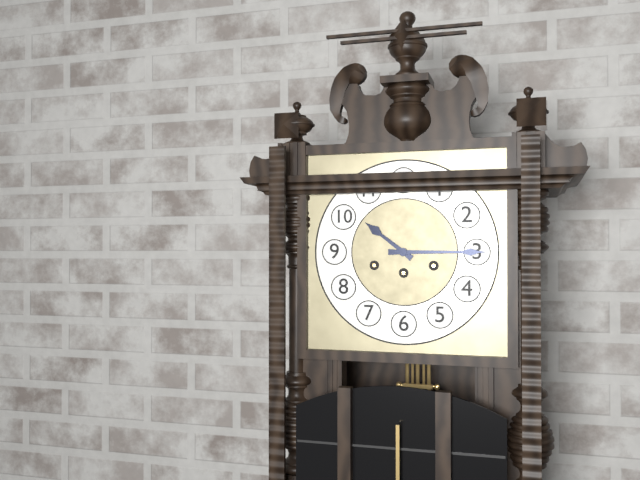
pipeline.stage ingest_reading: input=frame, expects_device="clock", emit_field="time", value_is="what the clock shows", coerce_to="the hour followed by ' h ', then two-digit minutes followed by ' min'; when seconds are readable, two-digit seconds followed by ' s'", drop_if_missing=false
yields 10 h 15 min
